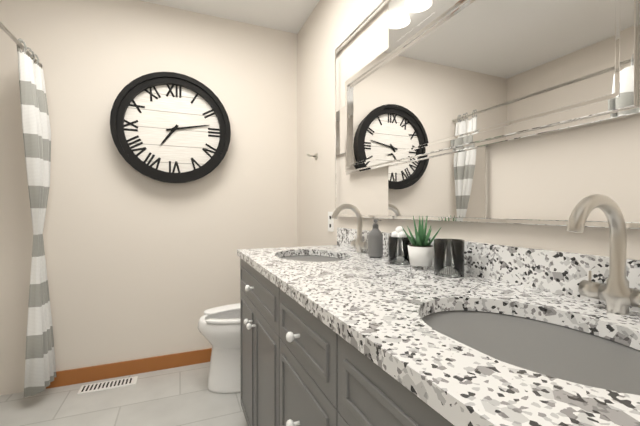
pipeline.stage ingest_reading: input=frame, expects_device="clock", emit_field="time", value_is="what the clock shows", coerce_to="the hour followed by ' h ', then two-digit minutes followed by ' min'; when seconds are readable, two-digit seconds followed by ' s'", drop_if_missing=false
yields 7 h 13 min
